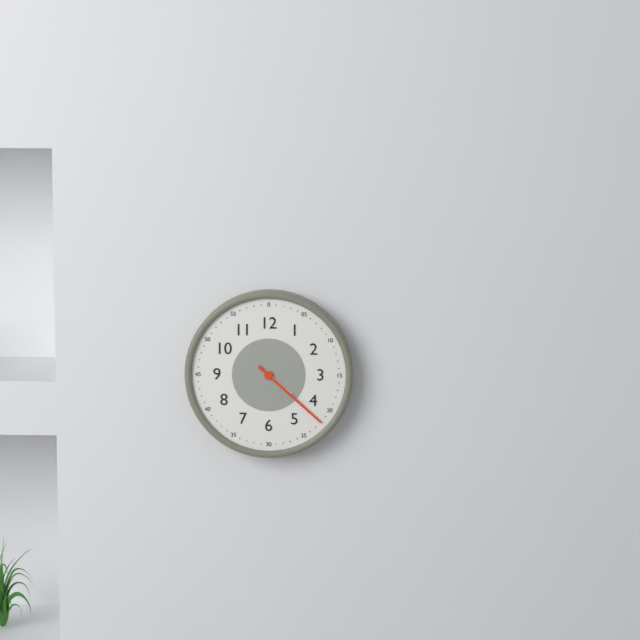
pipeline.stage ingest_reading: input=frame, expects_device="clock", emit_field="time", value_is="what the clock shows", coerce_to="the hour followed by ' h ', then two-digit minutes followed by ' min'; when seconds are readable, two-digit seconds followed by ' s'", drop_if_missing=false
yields 4 h 22 min
